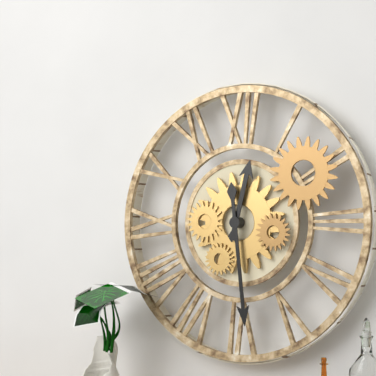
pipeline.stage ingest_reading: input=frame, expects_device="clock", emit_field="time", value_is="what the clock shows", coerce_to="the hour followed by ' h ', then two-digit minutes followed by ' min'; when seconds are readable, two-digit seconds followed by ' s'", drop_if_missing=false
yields 12 h 29 min
